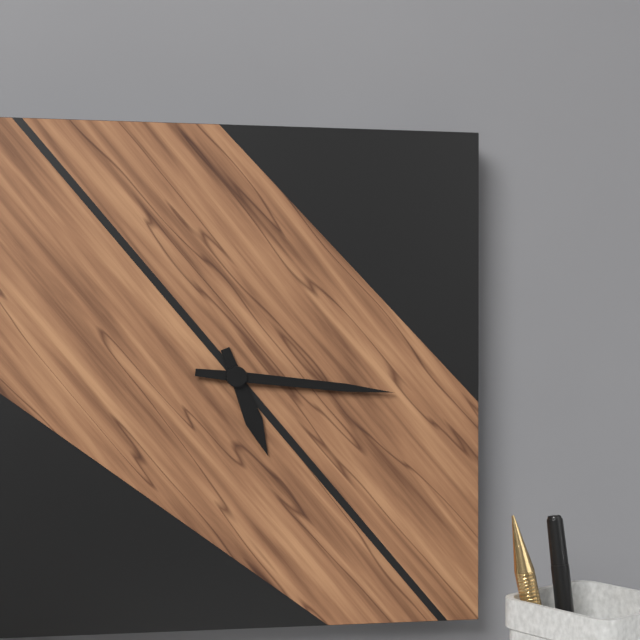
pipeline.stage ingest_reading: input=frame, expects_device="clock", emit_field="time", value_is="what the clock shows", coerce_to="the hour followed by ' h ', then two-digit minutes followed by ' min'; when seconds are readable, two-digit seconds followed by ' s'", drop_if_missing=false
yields 5 h 16 min
